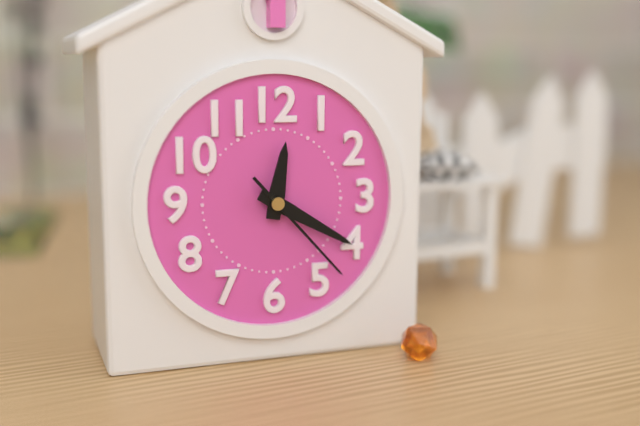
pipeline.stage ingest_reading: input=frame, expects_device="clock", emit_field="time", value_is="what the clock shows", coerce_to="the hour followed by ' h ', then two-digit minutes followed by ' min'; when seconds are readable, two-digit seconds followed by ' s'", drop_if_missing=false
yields 12 h 20 min 23 s
